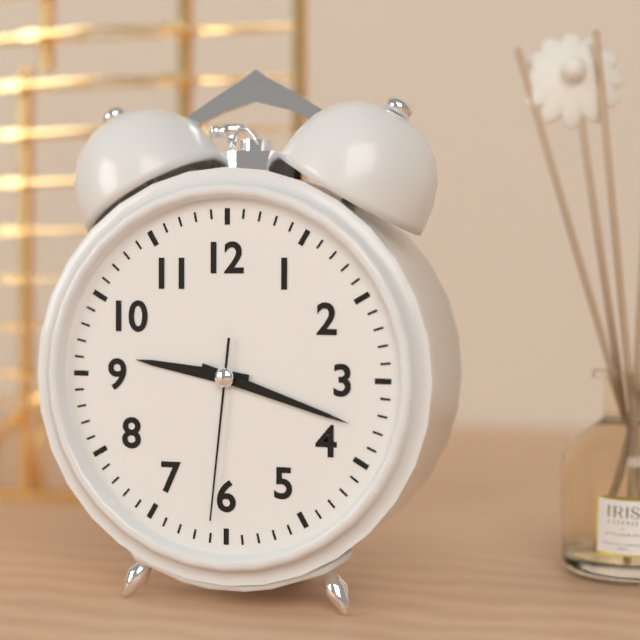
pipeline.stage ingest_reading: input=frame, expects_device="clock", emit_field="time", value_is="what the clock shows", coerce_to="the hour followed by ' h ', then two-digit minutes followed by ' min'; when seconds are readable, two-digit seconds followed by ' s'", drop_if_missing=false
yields 9 h 18 min 31 s
